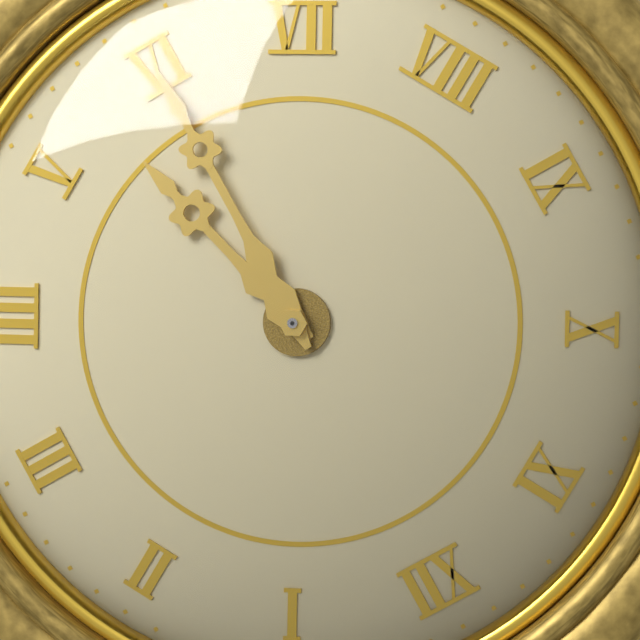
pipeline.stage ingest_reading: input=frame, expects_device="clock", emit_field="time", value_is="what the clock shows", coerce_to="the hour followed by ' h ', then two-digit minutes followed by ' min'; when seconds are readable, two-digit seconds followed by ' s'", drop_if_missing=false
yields 5 h 30 min
